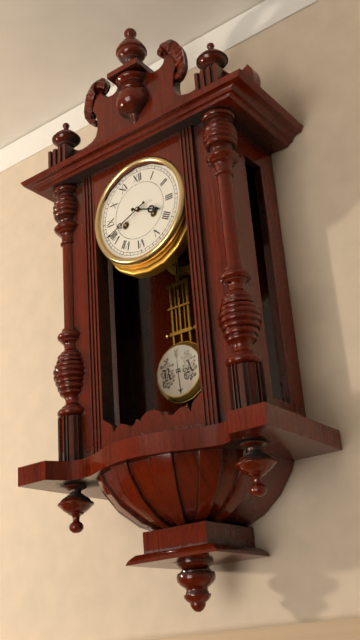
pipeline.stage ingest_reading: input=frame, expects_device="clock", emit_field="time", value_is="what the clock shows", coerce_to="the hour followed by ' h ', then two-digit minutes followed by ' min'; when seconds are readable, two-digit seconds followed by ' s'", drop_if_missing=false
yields 3 h 41 min
